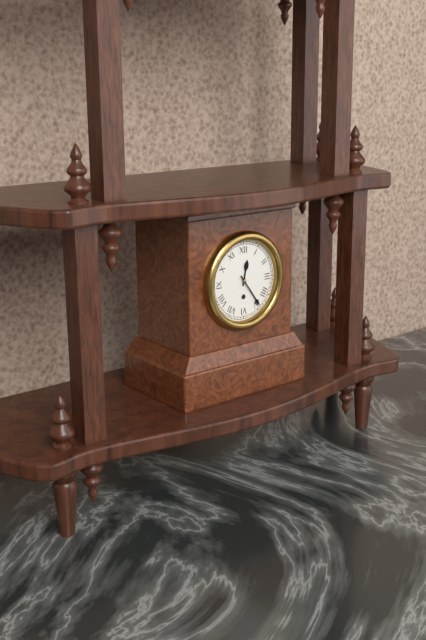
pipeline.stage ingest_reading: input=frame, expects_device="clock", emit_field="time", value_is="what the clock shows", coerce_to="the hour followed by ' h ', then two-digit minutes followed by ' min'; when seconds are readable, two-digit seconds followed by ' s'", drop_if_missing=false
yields 12 h 24 min
